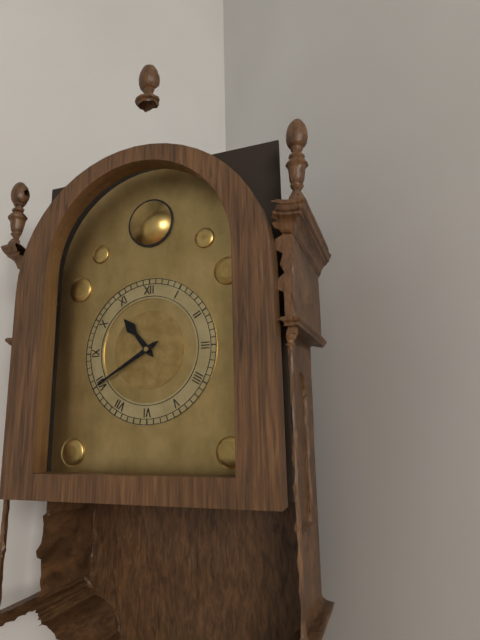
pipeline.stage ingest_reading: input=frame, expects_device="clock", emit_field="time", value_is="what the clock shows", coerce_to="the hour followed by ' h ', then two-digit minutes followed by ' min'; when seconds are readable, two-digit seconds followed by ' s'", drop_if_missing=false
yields 10 h 40 min
